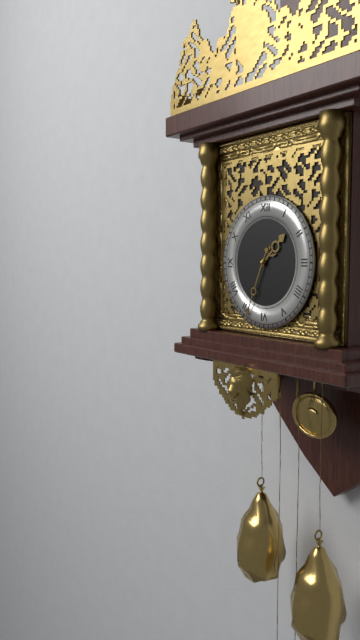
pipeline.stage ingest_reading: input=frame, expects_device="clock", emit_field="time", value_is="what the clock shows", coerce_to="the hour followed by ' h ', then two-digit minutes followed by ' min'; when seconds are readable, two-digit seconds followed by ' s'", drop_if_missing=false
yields 1 h 34 min
